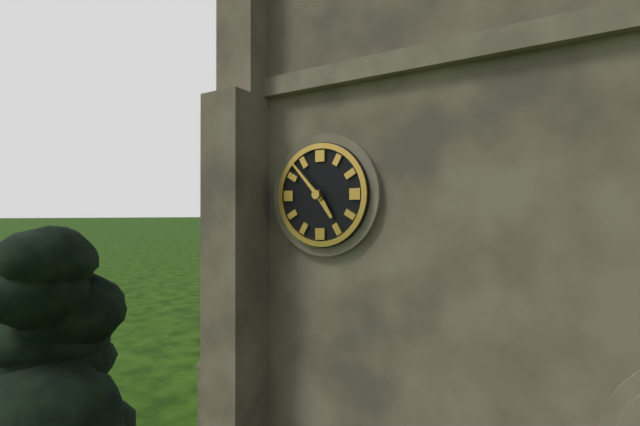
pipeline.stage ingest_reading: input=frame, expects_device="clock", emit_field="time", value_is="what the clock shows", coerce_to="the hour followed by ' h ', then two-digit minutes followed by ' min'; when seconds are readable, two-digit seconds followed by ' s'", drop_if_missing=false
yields 4 h 53 min
